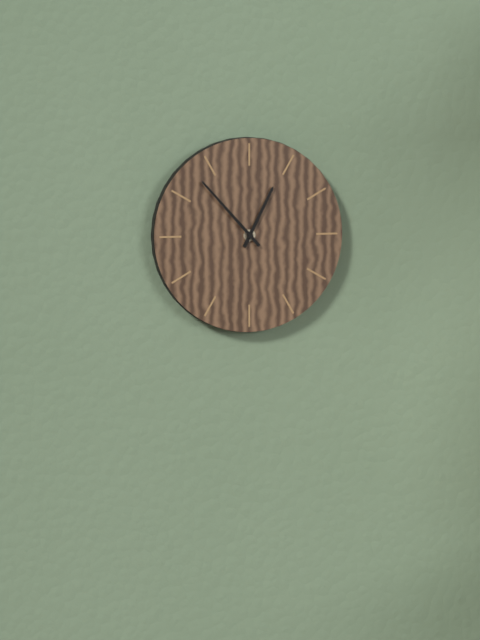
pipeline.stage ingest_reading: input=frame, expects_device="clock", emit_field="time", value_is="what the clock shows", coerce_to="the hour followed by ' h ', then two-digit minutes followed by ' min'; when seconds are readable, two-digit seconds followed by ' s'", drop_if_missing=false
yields 12 h 53 min
